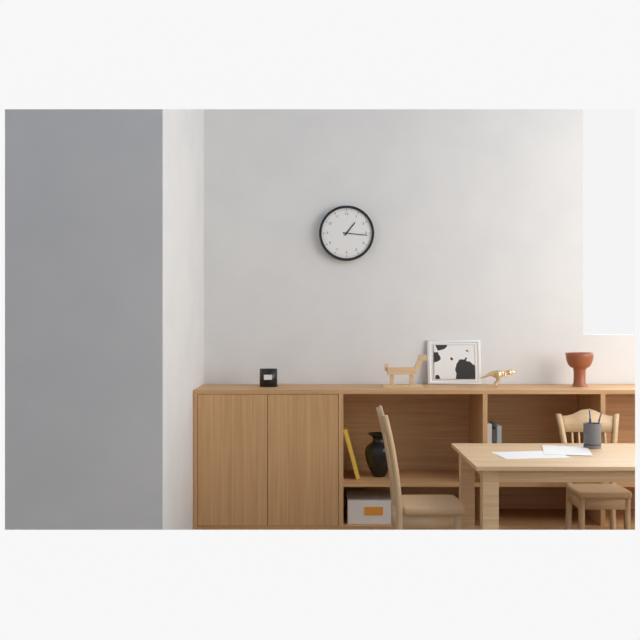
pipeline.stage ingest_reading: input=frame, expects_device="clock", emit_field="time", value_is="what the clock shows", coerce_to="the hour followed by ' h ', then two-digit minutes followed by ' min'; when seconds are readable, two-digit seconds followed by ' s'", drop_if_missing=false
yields 1 h 16 min
